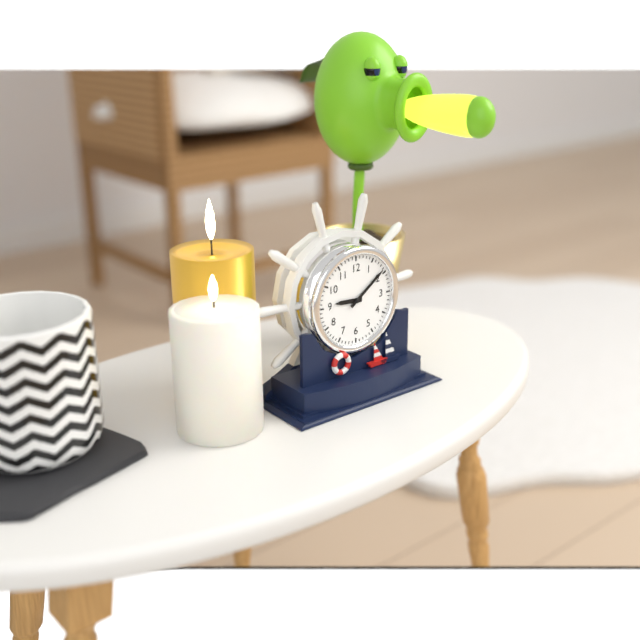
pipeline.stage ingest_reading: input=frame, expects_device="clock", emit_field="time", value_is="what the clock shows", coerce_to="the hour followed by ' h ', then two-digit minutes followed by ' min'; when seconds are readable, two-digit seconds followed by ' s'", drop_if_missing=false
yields 9 h 09 min
